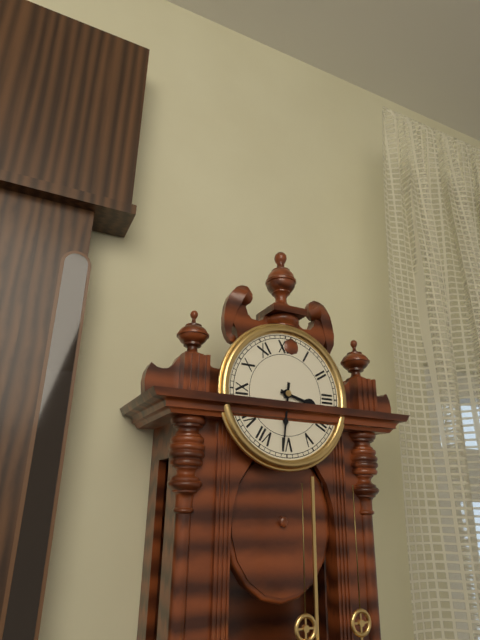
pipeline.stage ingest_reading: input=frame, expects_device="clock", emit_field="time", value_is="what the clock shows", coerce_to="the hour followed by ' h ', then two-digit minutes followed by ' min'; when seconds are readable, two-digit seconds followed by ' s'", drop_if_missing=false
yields 3 h 31 min
